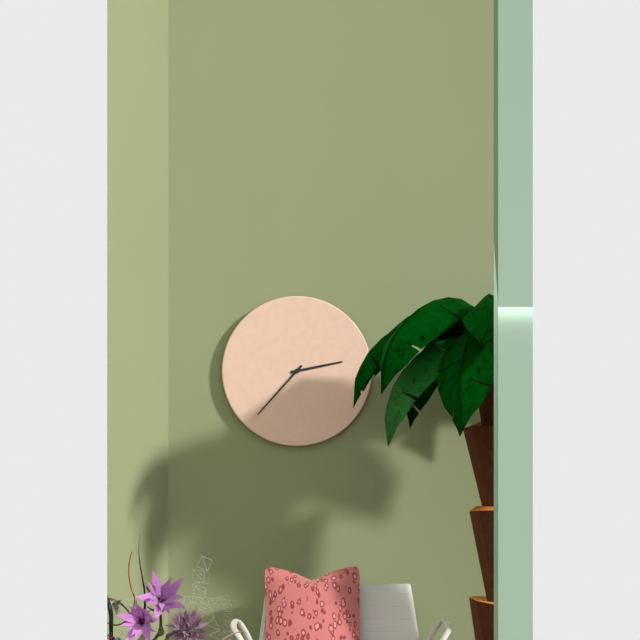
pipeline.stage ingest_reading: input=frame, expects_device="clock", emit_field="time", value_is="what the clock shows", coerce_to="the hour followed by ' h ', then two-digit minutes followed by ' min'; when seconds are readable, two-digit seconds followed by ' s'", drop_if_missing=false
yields 2 h 37 min
